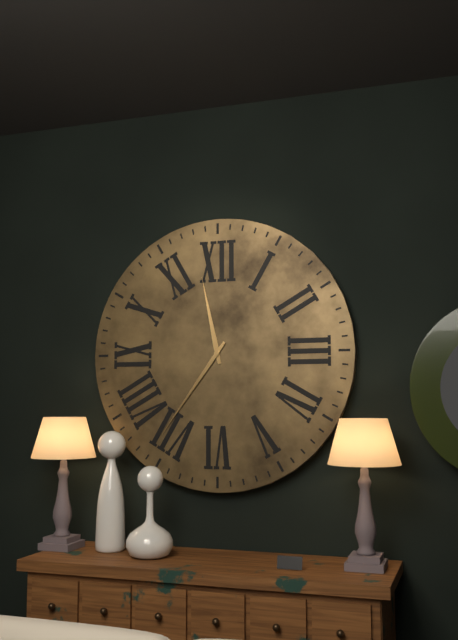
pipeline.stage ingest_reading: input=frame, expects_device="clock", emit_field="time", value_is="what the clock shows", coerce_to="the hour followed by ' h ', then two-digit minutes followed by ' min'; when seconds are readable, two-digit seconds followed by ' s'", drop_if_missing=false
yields 11 h 36 min
